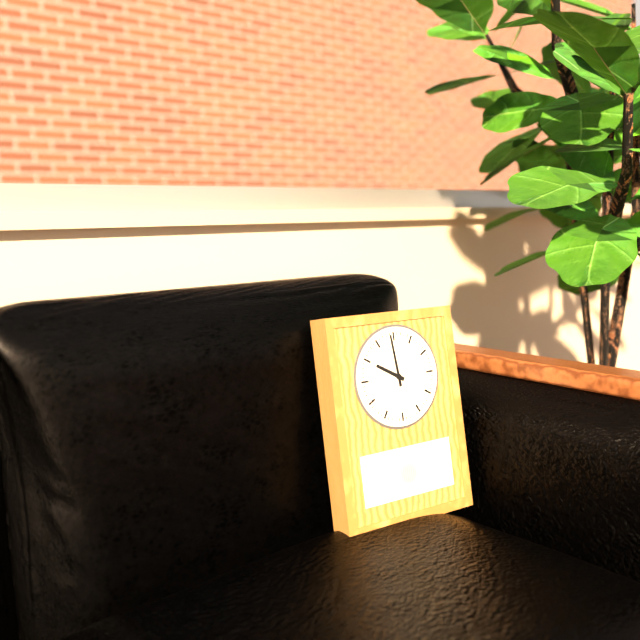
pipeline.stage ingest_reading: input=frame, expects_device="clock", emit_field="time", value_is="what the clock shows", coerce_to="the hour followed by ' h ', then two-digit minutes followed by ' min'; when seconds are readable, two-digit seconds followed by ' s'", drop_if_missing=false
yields 9 h 59 min
